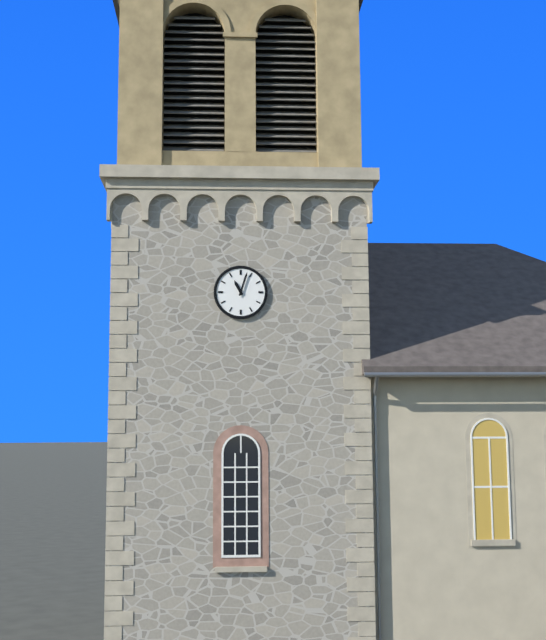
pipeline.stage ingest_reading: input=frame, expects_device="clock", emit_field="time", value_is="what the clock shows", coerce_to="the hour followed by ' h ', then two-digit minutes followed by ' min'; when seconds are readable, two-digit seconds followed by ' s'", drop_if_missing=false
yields 11 h 03 min
